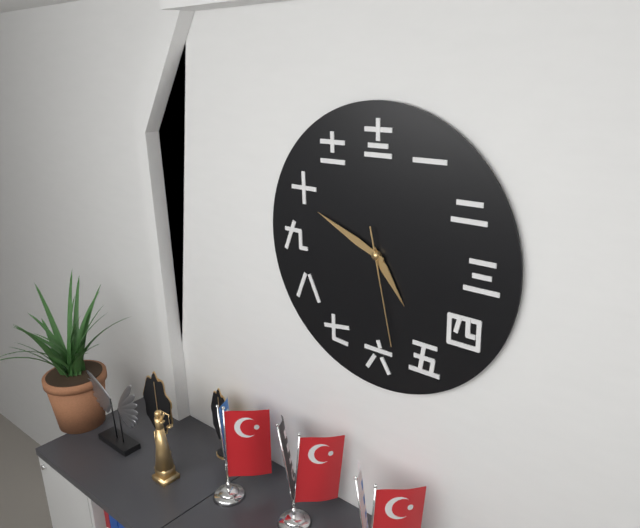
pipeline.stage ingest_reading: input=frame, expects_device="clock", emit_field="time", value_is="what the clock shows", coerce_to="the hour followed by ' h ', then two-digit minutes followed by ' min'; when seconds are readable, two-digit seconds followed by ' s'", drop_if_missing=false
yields 4 h 49 min 28 s
